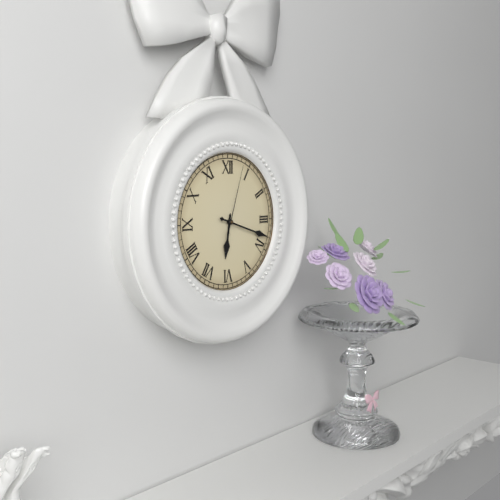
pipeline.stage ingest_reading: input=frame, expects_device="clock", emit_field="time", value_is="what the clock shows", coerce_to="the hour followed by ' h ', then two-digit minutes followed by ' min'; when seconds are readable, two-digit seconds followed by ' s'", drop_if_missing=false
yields 6 h 18 min 03 s
